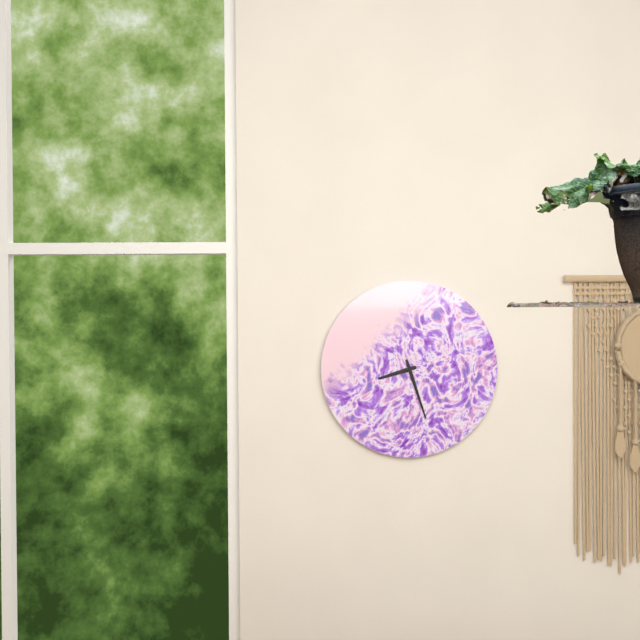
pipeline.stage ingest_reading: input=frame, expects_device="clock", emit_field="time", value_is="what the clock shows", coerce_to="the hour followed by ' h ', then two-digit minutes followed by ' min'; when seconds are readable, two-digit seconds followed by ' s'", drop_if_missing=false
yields 8 h 27 min
